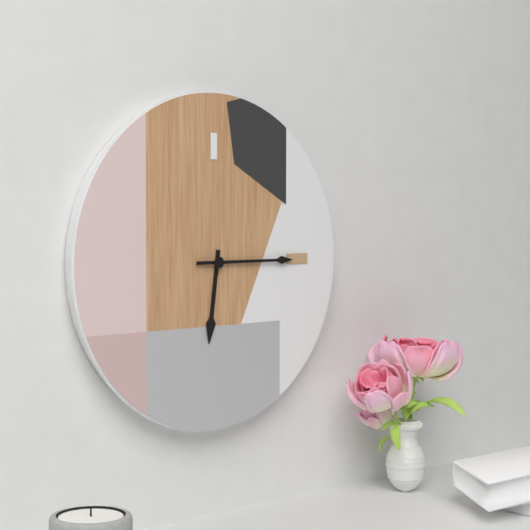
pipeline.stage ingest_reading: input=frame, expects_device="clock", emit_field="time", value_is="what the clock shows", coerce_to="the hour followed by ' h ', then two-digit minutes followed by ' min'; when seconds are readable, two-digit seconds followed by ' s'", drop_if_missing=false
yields 6 h 15 min
